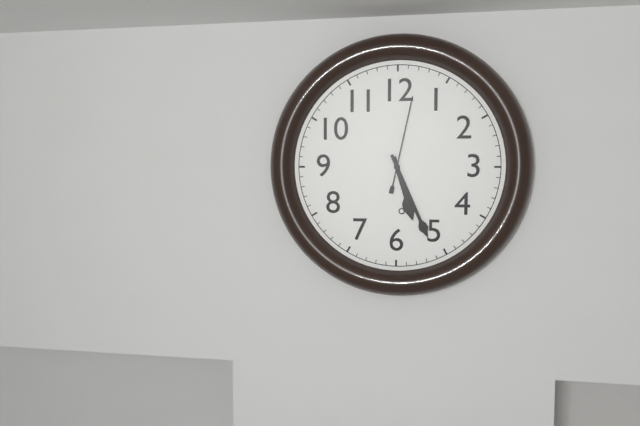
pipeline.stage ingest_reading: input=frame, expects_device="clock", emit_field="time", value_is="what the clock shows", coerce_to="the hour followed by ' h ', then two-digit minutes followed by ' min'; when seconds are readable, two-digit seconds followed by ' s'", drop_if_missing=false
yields 5 h 26 min 02 s
